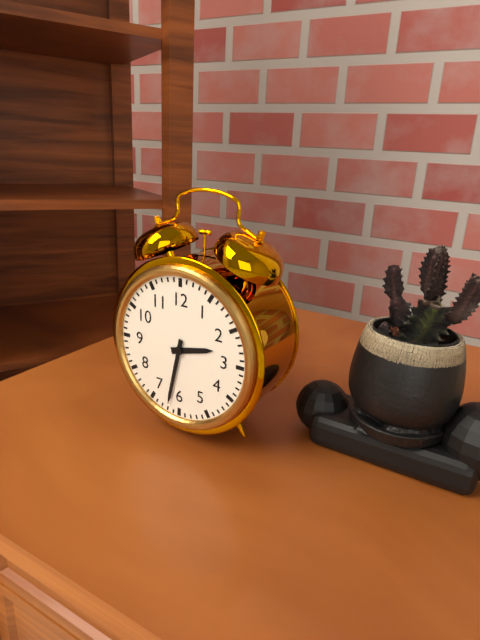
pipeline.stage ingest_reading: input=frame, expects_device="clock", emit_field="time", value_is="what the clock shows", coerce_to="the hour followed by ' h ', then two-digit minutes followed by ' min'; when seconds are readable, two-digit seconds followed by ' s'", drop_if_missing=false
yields 2 h 32 min
